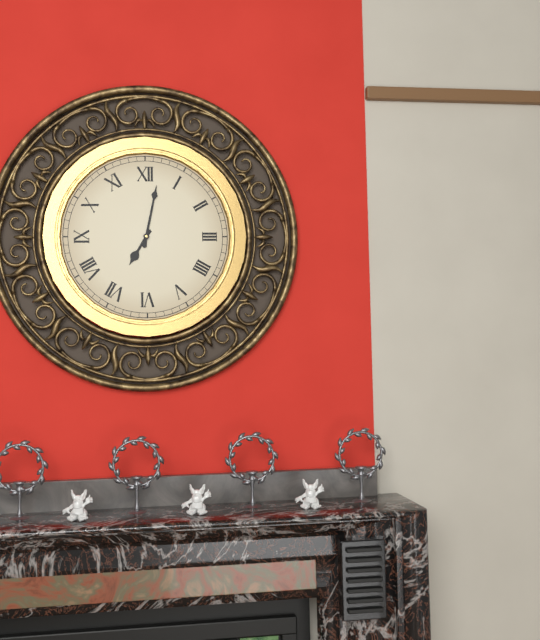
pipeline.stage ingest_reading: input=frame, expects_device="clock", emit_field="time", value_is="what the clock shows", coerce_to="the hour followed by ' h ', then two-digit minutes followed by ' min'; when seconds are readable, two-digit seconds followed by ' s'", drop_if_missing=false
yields 7 h 02 min
